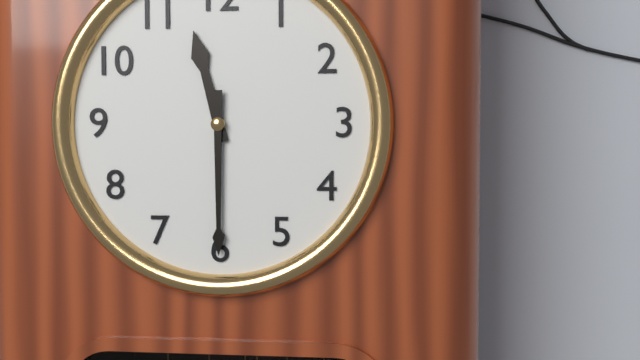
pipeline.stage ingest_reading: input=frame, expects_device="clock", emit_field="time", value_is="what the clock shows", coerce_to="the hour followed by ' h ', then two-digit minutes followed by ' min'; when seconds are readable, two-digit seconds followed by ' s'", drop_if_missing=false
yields 11 h 30 min
